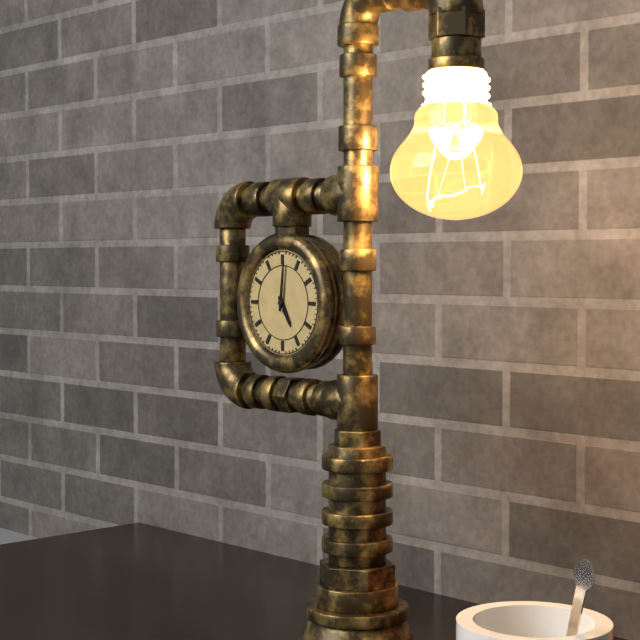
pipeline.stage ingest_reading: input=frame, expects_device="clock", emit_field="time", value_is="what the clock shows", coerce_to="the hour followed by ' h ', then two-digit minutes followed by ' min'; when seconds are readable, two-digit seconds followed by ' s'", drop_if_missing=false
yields 5 h 01 min
